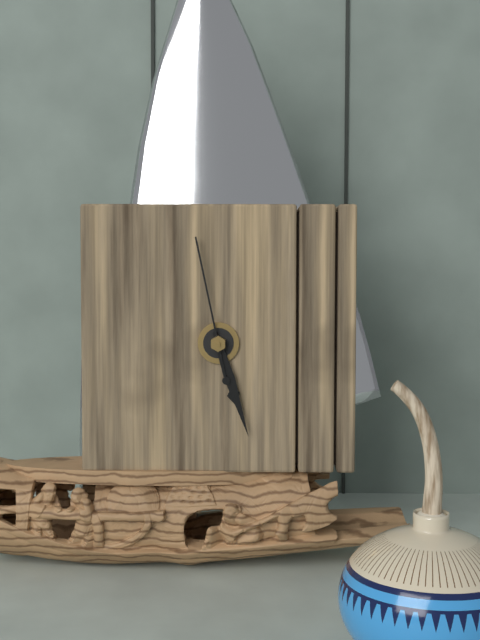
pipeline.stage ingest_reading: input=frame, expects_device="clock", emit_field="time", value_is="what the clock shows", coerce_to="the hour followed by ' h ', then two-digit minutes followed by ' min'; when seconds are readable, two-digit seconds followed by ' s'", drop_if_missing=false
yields 5 h 27 min 58 s
